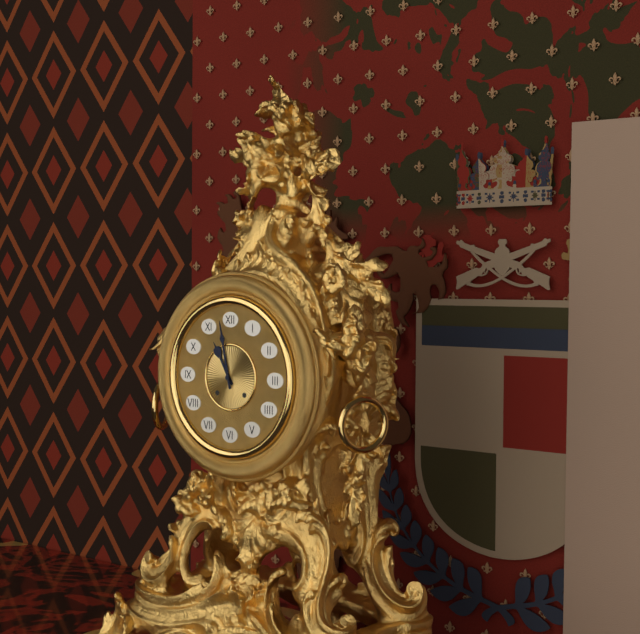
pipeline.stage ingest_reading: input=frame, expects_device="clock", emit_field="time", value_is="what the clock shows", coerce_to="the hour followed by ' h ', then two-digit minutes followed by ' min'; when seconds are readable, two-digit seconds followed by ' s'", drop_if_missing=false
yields 10 h 58 min
